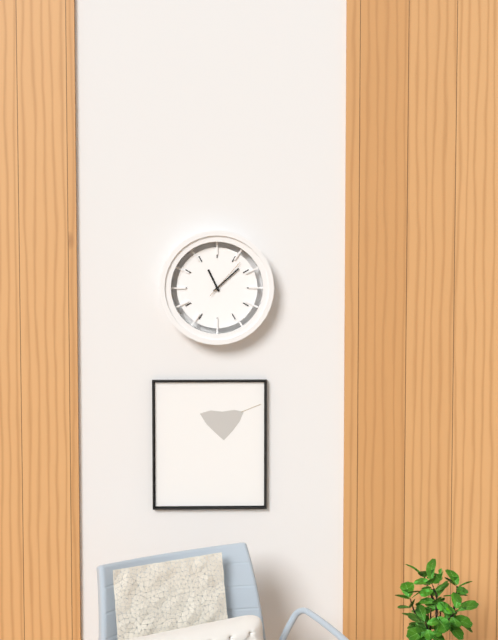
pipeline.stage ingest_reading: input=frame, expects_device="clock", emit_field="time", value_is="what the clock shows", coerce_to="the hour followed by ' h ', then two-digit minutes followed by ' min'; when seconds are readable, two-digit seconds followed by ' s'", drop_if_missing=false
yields 11 h 08 min
